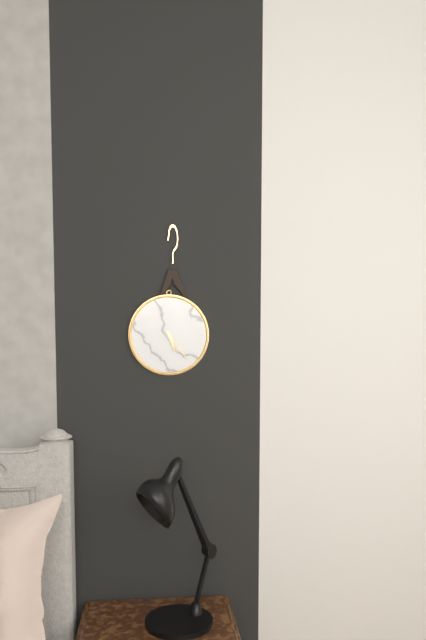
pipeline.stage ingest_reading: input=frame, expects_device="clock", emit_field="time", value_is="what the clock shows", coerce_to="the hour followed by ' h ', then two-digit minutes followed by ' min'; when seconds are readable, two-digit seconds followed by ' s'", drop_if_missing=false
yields 5 h 24 min
